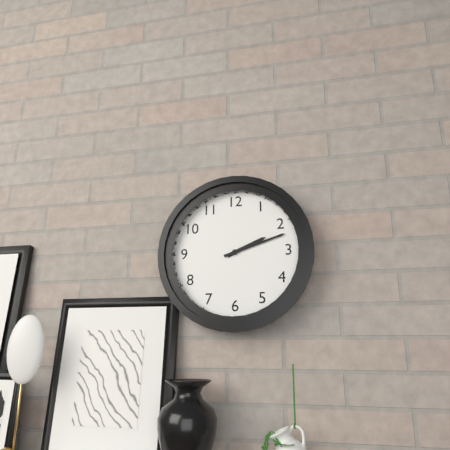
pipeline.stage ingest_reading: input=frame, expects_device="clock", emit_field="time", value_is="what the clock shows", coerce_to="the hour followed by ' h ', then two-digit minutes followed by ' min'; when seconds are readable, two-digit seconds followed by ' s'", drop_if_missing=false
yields 2 h 12 min
